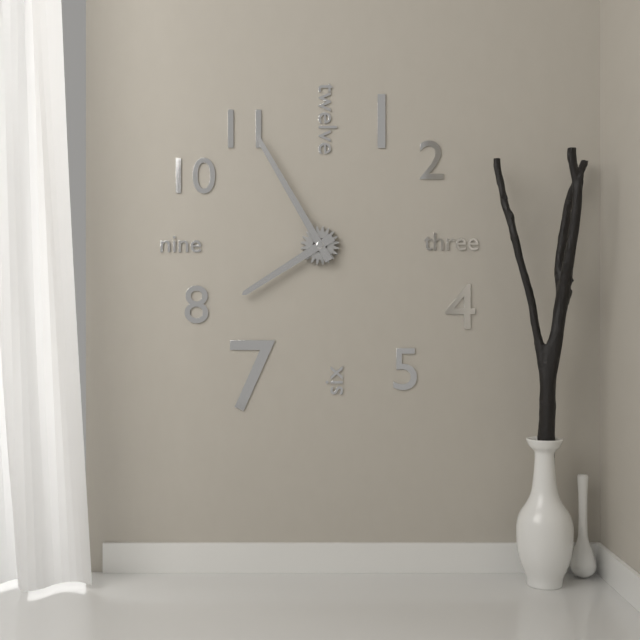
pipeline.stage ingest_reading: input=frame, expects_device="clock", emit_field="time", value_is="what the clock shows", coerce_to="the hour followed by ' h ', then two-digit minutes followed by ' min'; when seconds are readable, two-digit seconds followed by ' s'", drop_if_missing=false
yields 7 h 55 min
